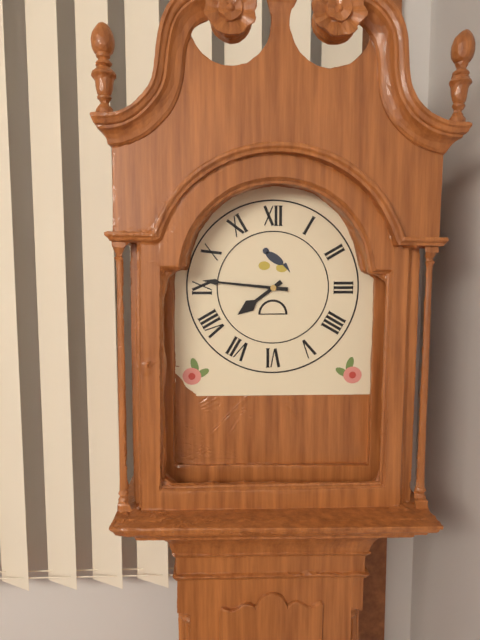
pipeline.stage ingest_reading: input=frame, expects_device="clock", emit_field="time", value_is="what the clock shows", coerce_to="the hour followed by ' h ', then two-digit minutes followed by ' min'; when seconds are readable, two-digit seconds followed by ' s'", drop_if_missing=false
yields 7 h 46 min
